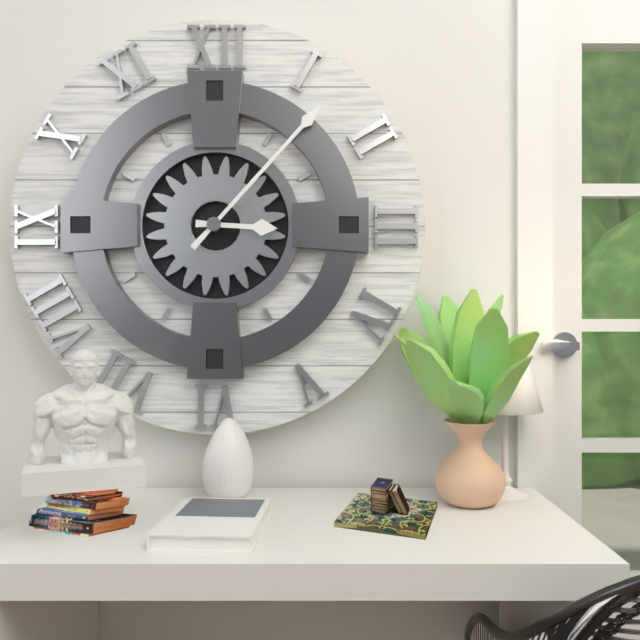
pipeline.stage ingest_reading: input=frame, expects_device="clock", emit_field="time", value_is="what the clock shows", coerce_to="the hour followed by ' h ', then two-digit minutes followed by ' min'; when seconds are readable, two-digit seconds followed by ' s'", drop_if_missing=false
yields 3 h 07 min
